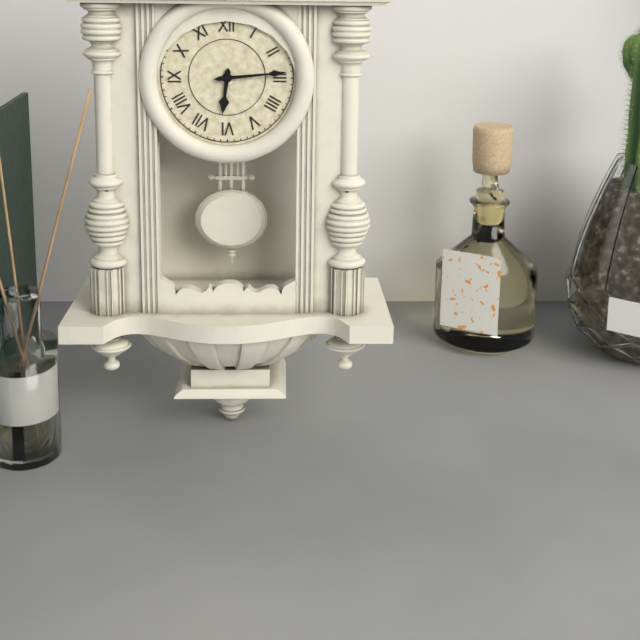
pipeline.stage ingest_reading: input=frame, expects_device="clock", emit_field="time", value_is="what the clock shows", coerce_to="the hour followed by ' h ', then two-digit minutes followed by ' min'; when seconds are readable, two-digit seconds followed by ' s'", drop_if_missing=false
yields 6 h 14 min
